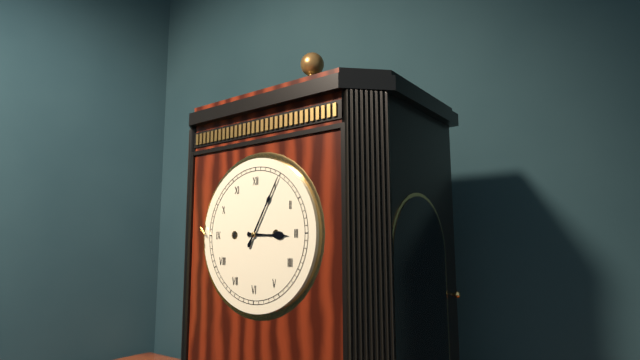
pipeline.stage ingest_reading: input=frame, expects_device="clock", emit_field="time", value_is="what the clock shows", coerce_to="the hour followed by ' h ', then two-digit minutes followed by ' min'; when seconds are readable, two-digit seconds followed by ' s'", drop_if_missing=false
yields 3 h 05 min
